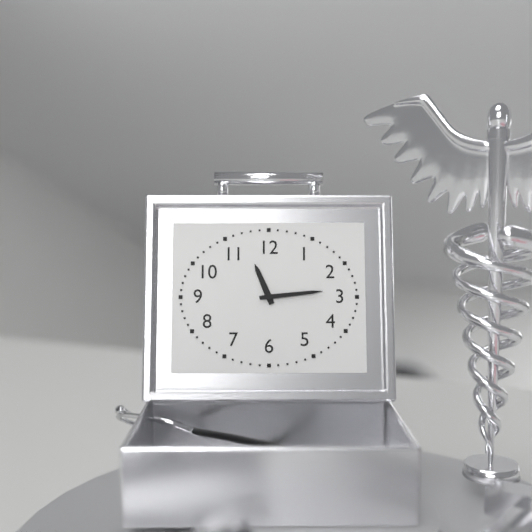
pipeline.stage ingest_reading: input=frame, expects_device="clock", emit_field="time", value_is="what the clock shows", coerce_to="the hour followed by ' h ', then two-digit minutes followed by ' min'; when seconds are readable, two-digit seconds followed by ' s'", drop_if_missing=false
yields 11 h 14 min
